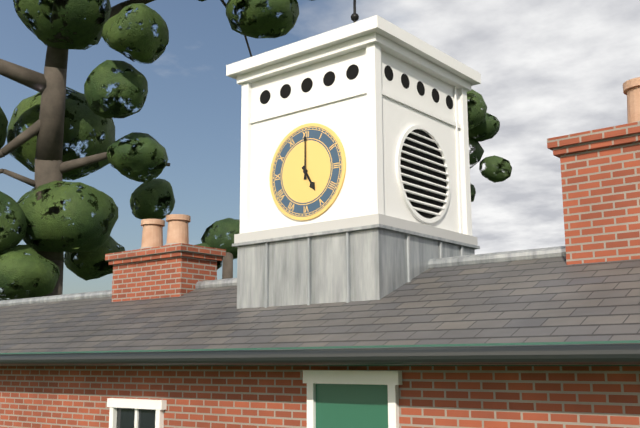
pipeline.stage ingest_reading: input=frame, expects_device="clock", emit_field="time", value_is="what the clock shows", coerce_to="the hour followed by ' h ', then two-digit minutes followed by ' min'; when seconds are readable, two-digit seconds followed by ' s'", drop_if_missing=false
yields 5 h 00 min
